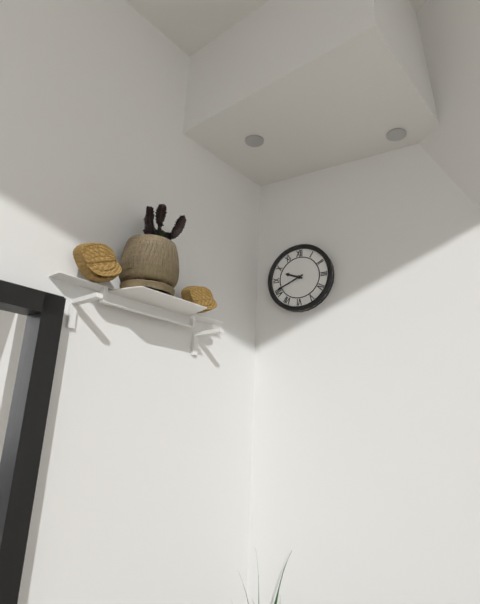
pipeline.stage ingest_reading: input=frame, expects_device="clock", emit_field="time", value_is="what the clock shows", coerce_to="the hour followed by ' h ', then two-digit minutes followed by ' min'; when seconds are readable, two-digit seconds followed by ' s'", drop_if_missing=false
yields 9 h 41 min
